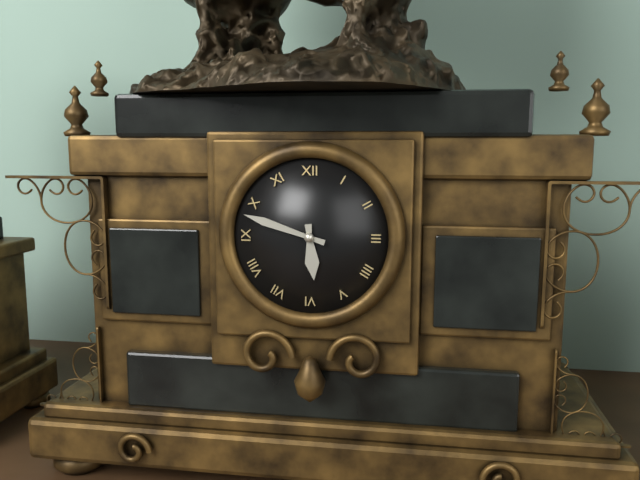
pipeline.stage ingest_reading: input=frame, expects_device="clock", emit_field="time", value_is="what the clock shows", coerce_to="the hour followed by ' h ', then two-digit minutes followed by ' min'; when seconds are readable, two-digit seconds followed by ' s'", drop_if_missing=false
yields 5 h 48 min
